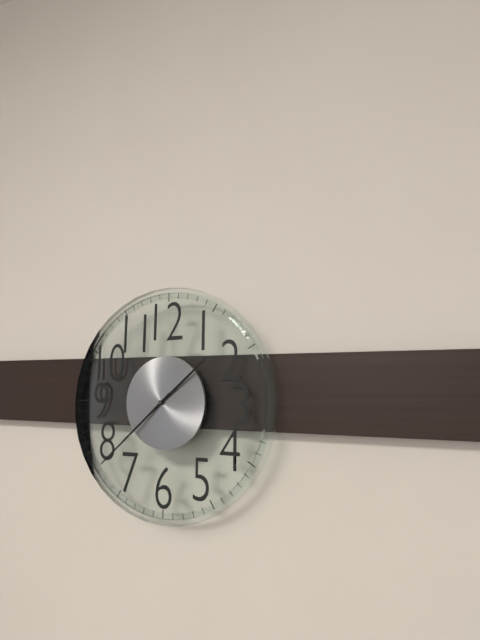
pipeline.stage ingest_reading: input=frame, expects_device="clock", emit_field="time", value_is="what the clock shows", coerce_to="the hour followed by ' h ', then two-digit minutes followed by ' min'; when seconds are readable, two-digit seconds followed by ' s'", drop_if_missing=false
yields 1 h 38 min
